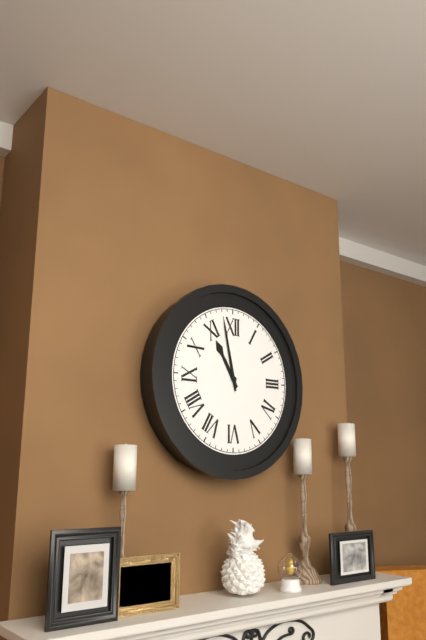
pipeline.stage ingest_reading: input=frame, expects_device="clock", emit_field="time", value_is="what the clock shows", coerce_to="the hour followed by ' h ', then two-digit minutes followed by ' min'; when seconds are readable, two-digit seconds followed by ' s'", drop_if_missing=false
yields 10 h 58 min
